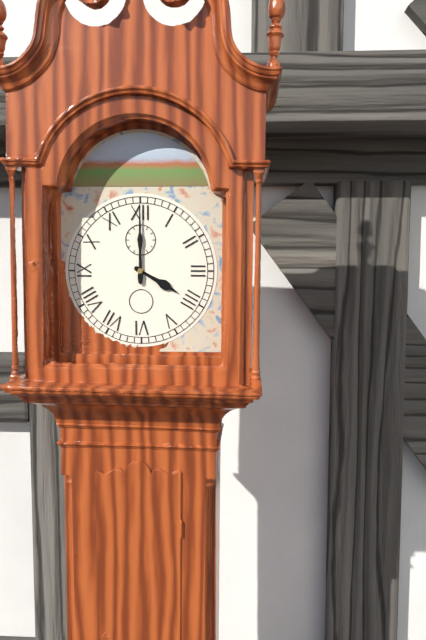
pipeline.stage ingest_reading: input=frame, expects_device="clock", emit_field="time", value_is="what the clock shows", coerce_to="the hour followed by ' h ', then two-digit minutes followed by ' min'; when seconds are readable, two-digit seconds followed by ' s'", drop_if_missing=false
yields 4 h 00 min
